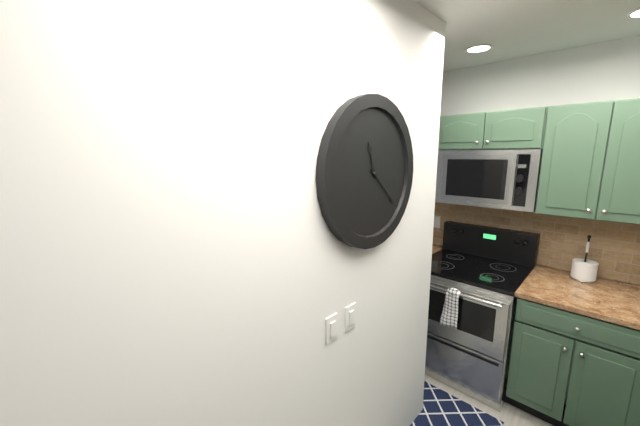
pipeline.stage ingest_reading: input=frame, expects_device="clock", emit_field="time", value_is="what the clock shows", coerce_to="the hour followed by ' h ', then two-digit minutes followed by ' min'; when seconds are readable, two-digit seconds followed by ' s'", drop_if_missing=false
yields 11 h 22 min
